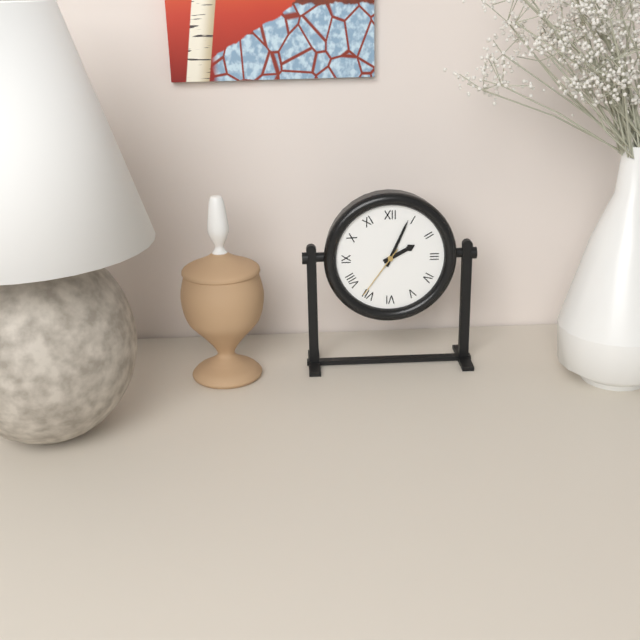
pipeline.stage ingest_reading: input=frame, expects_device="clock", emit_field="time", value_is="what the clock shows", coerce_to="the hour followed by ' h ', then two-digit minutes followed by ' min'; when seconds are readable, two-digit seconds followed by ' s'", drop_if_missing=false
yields 2 h 04 min 36 s
